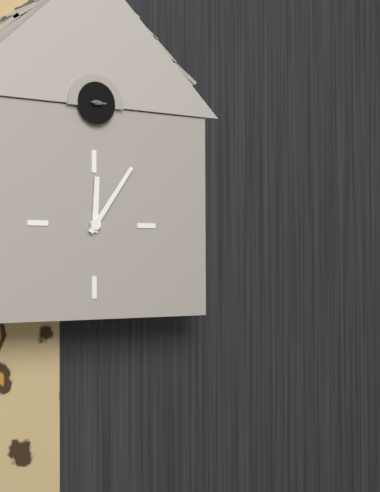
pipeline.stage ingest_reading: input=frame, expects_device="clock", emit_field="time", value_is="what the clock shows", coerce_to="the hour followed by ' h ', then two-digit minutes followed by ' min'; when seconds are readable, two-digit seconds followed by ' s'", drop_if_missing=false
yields 12 h 06 min
